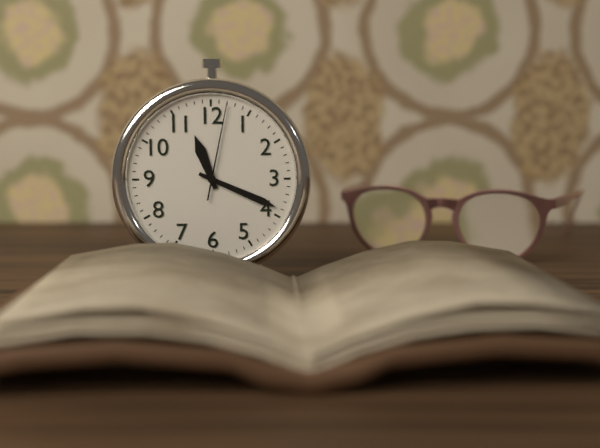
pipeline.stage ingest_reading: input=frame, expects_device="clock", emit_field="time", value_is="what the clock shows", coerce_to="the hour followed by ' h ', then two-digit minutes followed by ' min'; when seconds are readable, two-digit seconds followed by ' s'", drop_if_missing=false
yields 11 h 19 min 02 s
